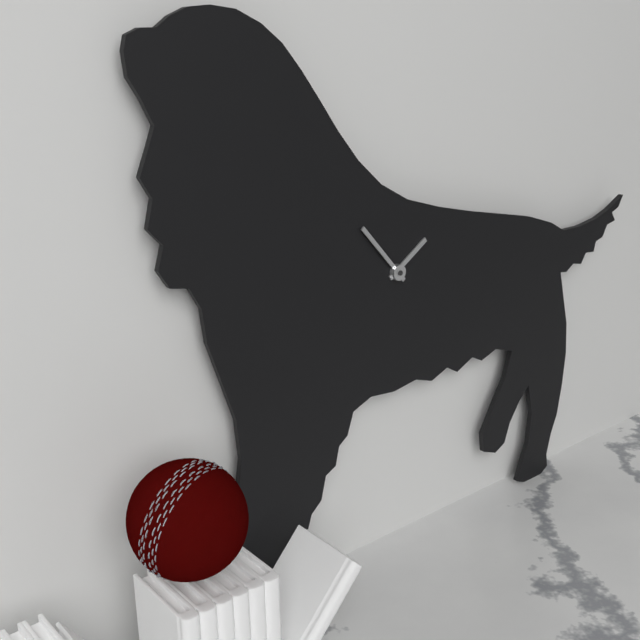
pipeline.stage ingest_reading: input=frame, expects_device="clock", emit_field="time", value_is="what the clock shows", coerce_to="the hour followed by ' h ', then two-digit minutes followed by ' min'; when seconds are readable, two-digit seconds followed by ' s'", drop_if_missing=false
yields 1 h 53 min
